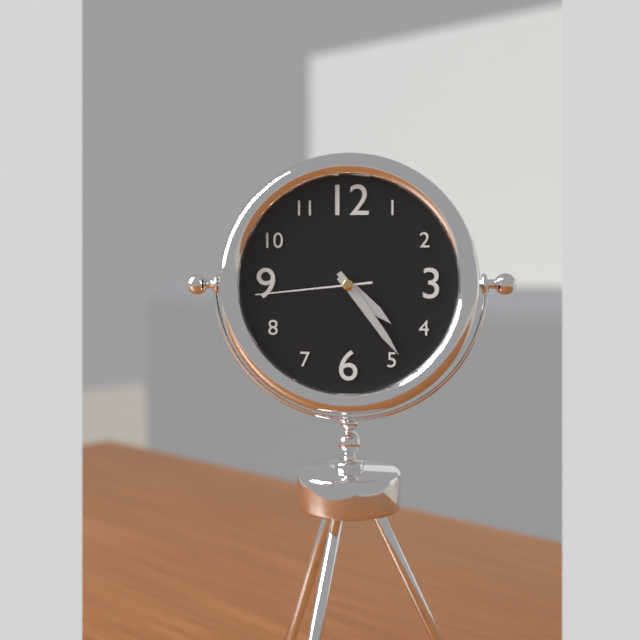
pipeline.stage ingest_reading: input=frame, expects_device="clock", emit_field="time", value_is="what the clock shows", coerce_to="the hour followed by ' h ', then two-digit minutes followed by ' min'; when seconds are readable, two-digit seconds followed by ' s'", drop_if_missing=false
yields 4 h 24 min 44 s
